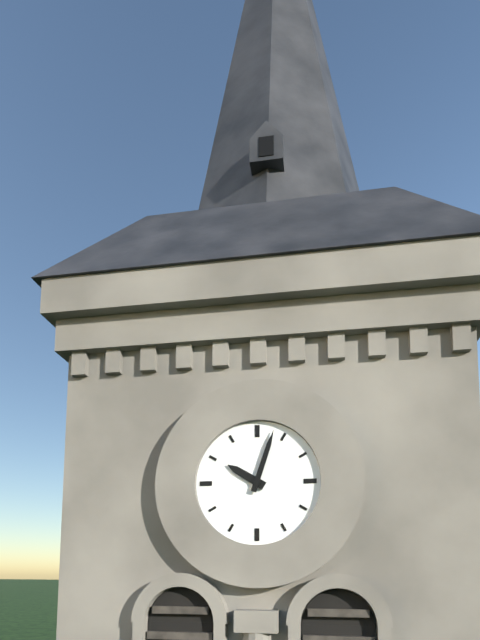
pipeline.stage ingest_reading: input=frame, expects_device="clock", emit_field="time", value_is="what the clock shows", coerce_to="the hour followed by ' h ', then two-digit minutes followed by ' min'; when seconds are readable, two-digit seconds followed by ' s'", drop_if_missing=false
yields 10 h 03 min
